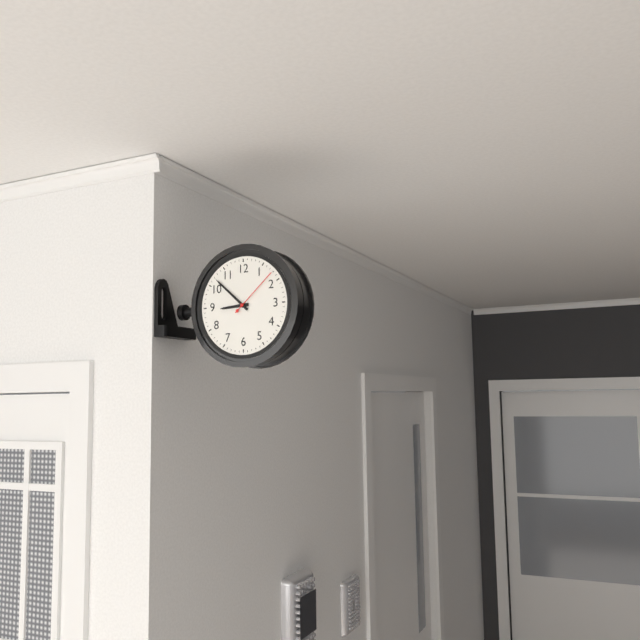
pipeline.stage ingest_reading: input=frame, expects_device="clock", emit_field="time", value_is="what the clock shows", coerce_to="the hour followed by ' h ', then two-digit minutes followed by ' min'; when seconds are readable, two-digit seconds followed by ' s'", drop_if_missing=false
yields 8 h 52 min 08 s
